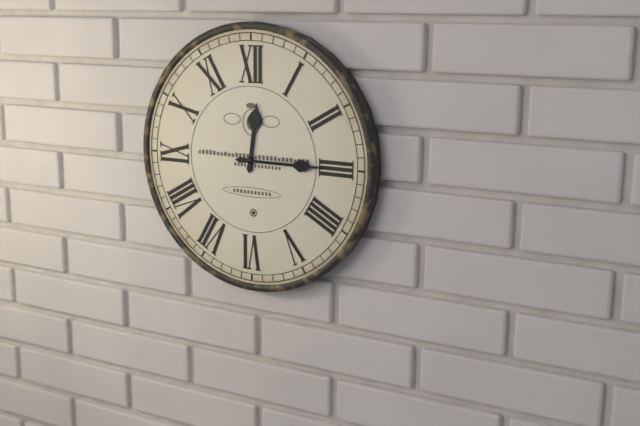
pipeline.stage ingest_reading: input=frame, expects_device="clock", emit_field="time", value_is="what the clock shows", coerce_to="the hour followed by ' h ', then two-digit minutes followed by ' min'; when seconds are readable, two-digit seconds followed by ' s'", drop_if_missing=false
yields 12 h 15 min
